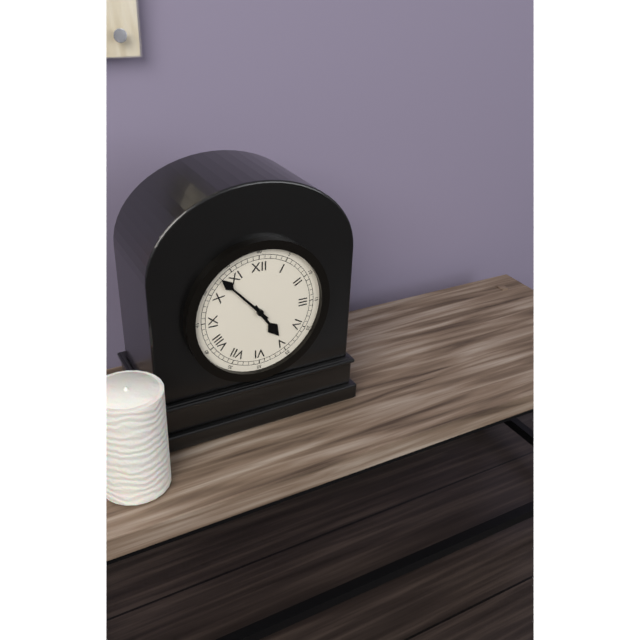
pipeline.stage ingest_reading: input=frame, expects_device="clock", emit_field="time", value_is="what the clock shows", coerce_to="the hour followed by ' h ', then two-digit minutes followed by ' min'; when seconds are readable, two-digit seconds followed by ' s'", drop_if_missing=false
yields 4 h 53 min
